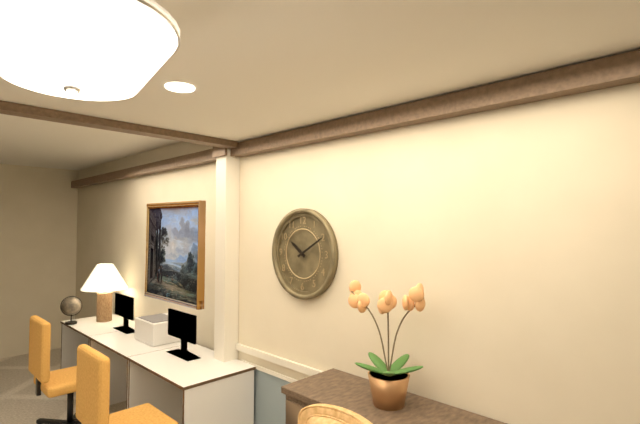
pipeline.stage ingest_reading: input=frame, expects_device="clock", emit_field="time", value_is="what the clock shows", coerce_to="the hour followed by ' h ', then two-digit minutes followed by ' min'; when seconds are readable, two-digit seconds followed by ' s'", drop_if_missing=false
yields 10 h 10 min
